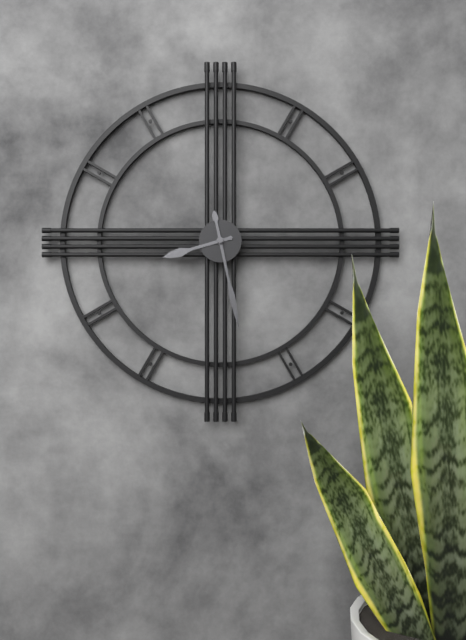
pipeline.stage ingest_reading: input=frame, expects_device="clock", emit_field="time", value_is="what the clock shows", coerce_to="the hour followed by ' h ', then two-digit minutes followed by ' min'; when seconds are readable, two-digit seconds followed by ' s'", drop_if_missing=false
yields 8 h 28 min
